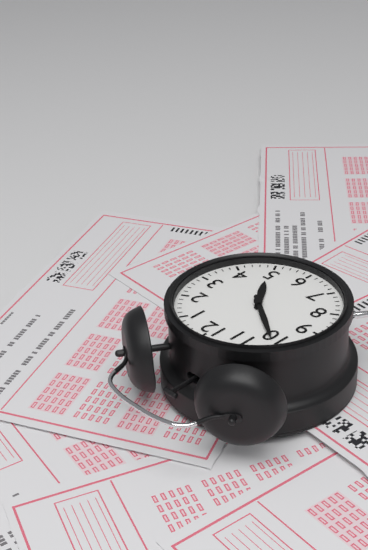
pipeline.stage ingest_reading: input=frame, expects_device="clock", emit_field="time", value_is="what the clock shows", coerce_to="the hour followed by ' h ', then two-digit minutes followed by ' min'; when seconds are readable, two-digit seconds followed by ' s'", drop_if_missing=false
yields 4 h 51 min
